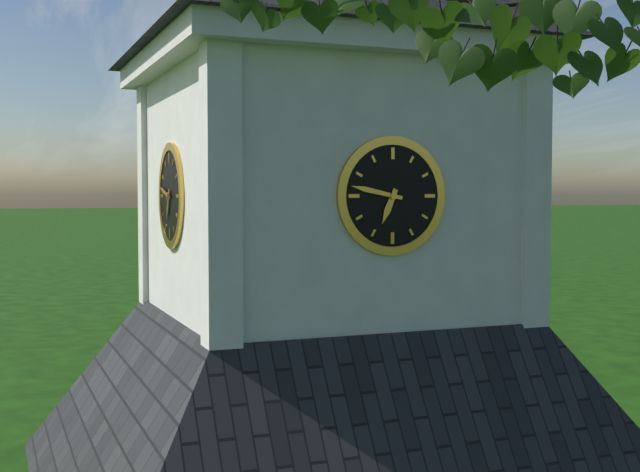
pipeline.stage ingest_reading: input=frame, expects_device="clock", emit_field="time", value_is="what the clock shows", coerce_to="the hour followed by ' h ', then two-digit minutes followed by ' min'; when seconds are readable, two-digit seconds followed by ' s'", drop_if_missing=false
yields 6 h 47 min
